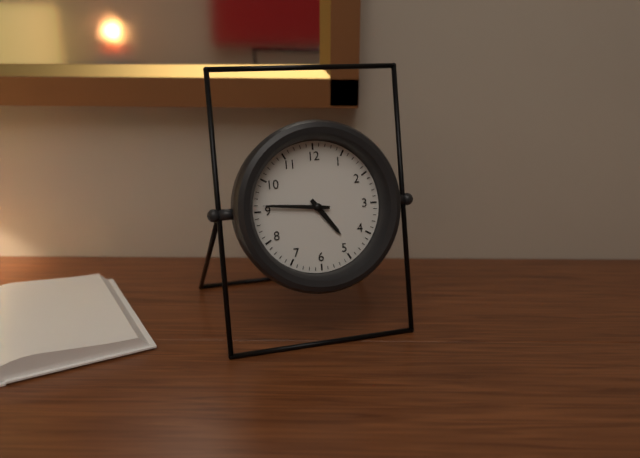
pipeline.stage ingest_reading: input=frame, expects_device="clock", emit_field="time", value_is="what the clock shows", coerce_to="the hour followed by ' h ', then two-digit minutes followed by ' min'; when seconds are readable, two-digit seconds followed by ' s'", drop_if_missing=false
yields 4 h 46 min
